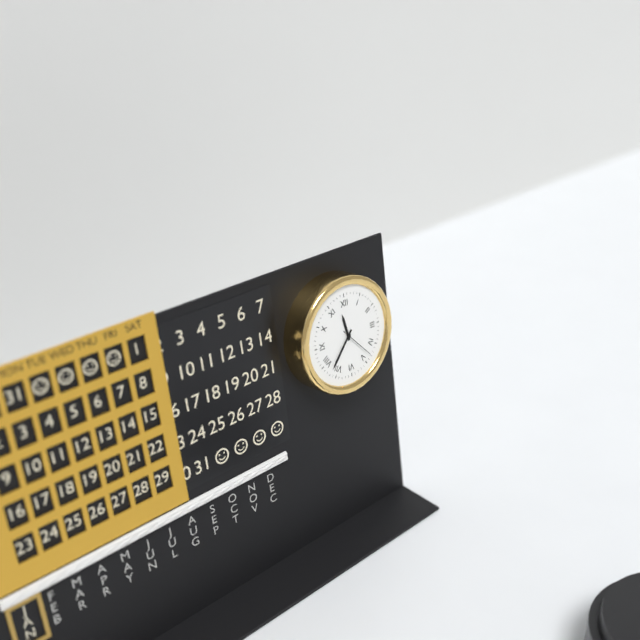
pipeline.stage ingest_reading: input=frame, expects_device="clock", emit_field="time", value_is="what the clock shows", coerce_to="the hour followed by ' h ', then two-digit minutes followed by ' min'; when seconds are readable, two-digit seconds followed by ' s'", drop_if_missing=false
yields 11 h 37 min
